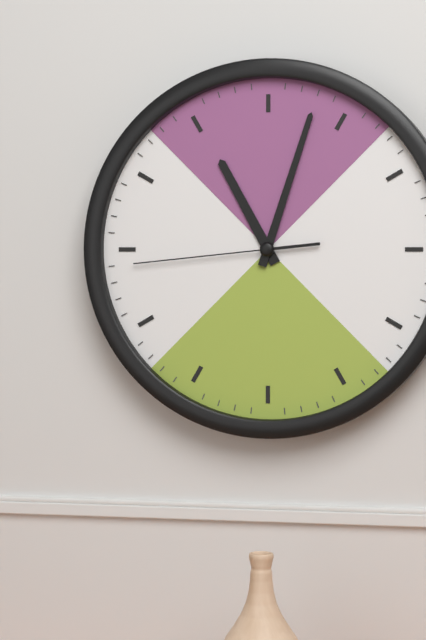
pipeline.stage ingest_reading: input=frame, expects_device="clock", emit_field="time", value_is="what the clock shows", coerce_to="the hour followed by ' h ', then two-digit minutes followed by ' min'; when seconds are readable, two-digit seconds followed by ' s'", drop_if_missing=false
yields 11 h 03 min 44 s
